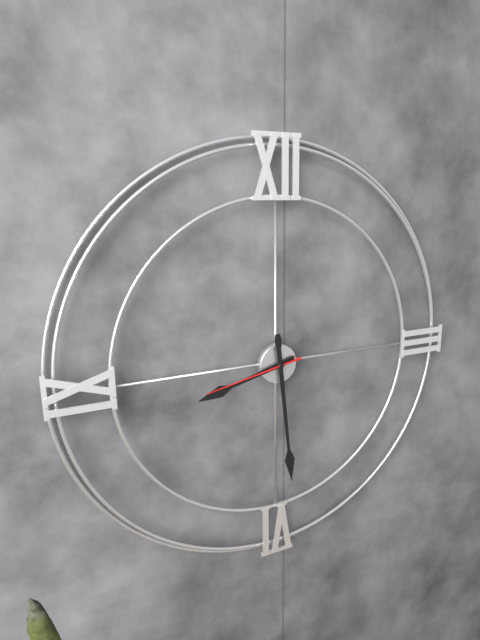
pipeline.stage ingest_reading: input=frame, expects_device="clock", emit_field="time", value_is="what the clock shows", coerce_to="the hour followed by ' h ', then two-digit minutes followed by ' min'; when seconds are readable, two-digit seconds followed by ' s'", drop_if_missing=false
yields 8 h 29 min 43 s
